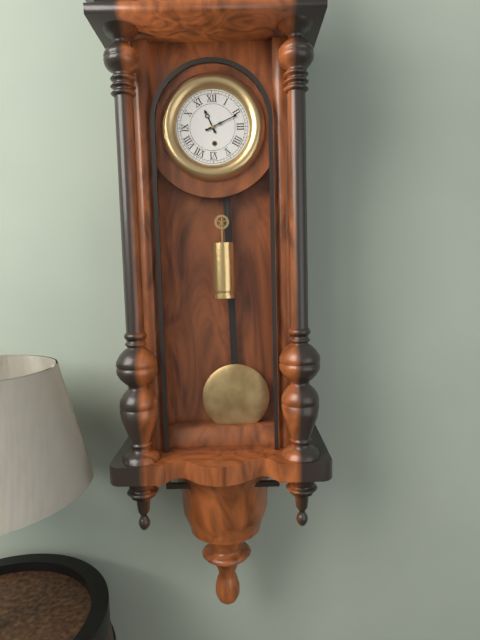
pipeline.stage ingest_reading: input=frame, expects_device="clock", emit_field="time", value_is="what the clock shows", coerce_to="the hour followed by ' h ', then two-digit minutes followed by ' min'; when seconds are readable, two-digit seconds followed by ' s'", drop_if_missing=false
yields 11 h 11 min
